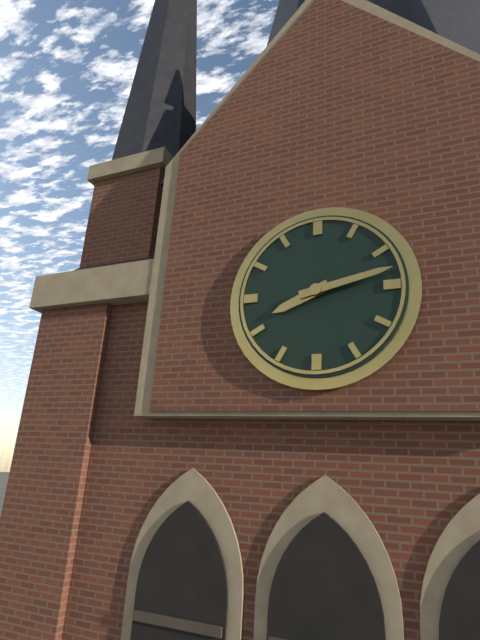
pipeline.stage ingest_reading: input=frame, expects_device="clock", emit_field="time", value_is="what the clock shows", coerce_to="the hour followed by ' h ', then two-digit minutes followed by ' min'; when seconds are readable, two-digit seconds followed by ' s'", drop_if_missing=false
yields 8 h 13 min
